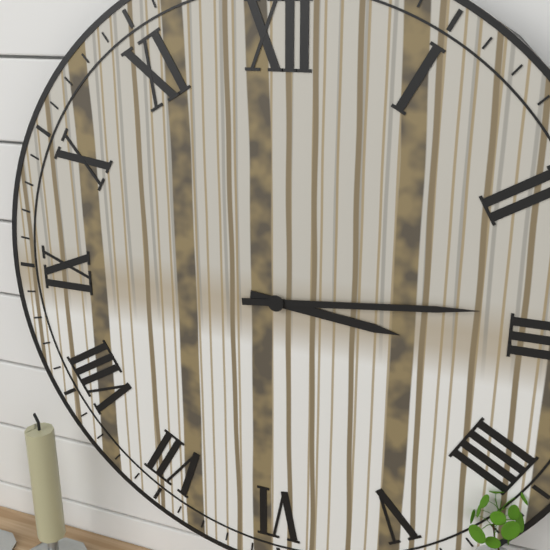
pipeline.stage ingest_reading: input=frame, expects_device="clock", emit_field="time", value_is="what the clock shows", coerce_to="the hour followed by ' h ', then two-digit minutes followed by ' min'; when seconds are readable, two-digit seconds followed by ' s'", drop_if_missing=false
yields 3 h 14 min
